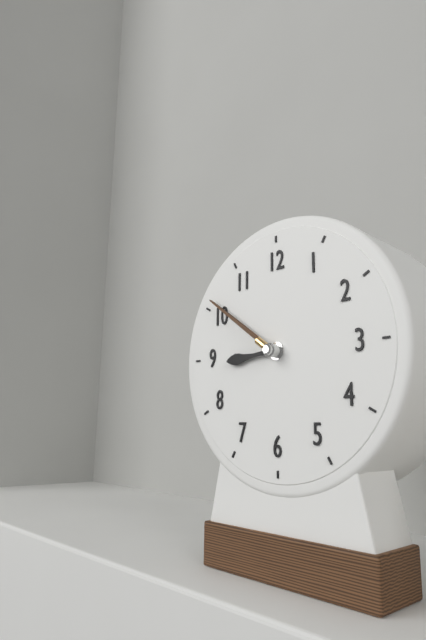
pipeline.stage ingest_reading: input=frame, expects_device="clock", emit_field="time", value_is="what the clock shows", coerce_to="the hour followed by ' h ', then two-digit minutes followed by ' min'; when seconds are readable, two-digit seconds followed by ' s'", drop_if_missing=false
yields 8 h 51 min
